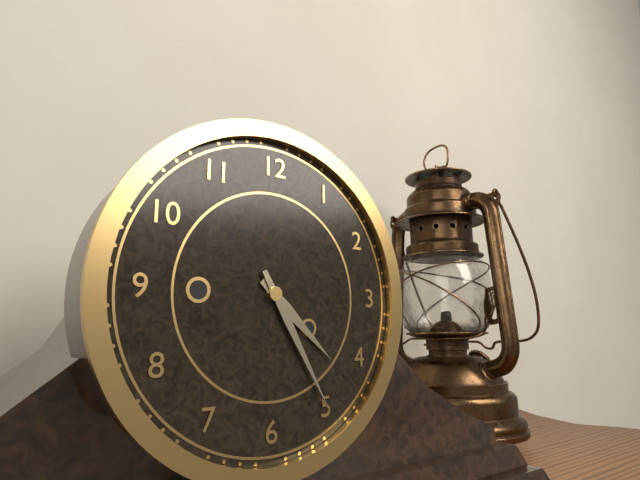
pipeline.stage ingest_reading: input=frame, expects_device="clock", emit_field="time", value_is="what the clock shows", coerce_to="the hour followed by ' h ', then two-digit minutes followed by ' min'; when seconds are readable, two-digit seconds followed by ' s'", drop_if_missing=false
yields 4 h 25 min
